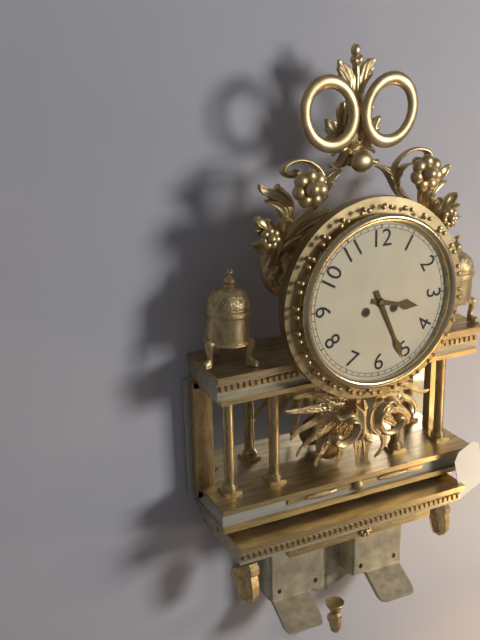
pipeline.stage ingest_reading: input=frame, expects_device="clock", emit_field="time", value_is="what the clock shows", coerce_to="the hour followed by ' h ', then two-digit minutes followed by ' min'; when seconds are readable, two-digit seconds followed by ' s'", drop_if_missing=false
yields 3 h 26 min
